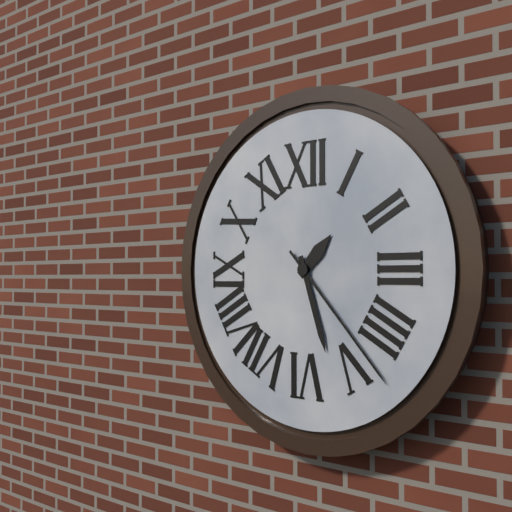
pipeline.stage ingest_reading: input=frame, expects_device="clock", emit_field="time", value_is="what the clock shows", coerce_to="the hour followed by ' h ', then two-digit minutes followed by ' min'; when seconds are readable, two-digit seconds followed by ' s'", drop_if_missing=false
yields 1 h 27 min 23 s
